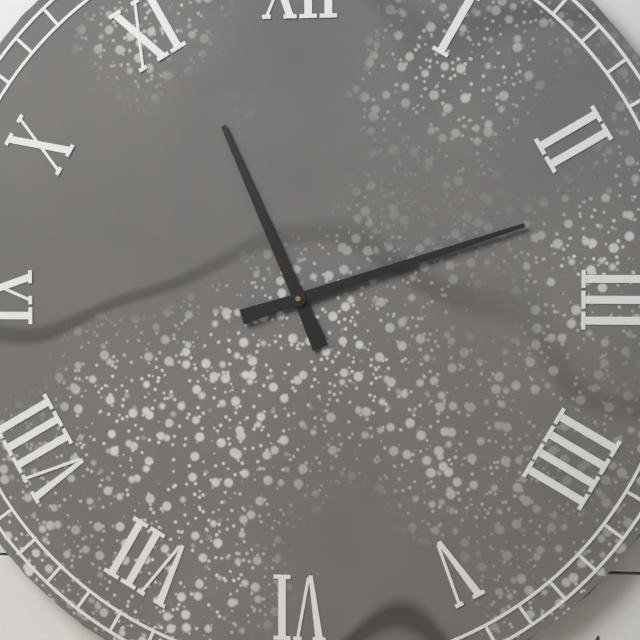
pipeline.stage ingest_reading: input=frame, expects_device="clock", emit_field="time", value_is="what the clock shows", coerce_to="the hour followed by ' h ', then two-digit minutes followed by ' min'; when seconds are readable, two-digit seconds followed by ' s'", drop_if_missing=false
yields 11 h 12 min
